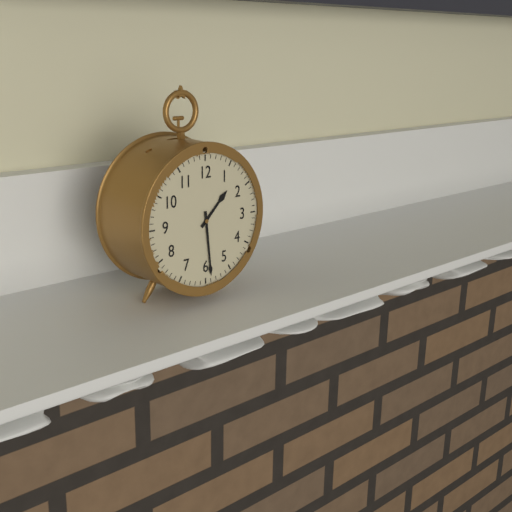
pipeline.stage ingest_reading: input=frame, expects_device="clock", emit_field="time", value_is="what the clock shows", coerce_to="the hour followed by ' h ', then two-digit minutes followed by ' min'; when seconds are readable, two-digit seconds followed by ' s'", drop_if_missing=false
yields 1 h 29 min
